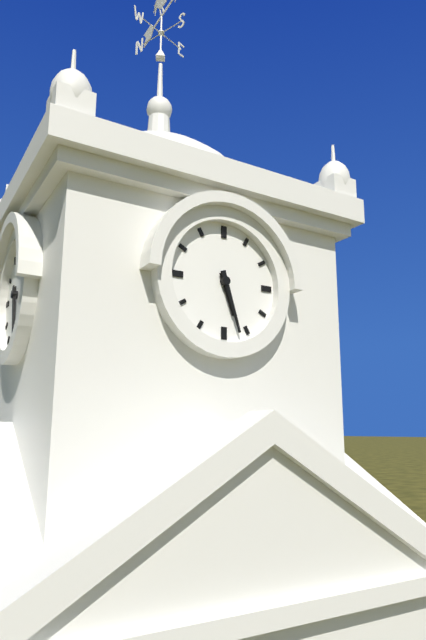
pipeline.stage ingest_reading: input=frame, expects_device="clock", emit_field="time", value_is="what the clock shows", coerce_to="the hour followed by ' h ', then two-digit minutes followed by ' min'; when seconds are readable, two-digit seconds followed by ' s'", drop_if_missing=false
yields 5 h 27 min
